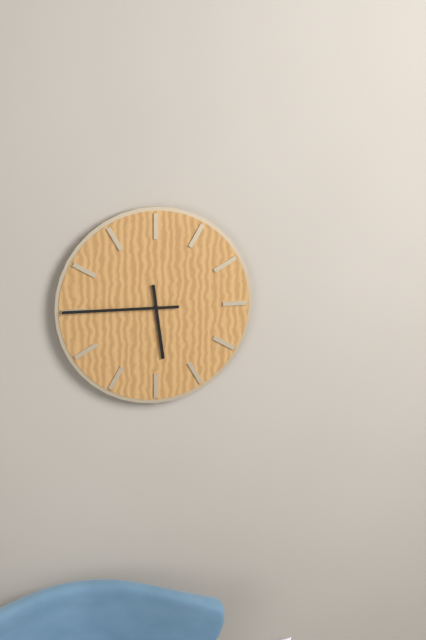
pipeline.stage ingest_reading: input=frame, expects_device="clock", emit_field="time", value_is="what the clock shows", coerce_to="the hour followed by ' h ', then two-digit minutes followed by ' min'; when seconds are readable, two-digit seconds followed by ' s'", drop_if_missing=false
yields 5 h 45 min
